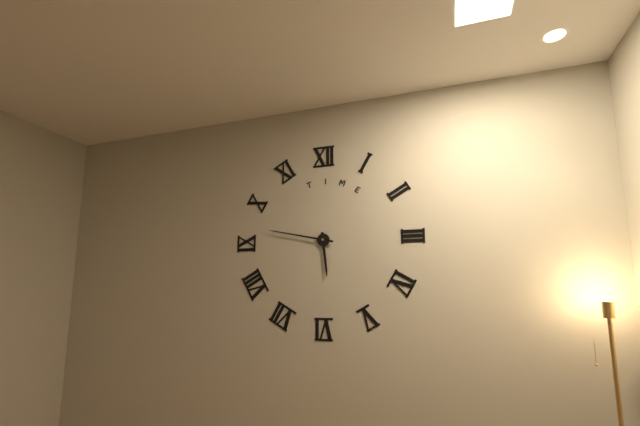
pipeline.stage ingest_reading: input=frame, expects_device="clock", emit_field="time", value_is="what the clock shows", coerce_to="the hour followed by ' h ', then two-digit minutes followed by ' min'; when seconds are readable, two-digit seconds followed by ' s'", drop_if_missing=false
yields 5 h 47 min
